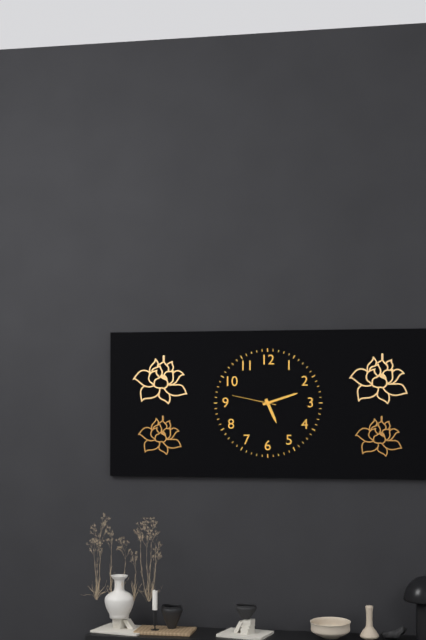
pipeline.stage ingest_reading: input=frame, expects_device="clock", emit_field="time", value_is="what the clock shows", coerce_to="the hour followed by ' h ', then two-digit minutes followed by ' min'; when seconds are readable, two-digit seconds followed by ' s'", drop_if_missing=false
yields 5 h 12 min
